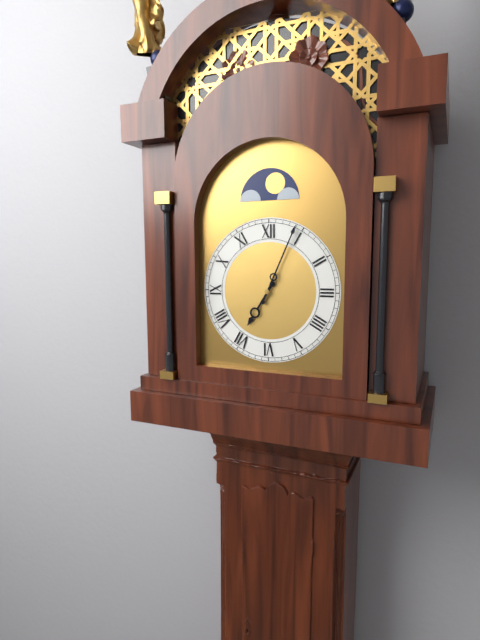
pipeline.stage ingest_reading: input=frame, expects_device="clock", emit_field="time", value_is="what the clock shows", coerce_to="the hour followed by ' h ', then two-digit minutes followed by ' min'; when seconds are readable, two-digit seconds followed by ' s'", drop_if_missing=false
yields 7 h 04 min
